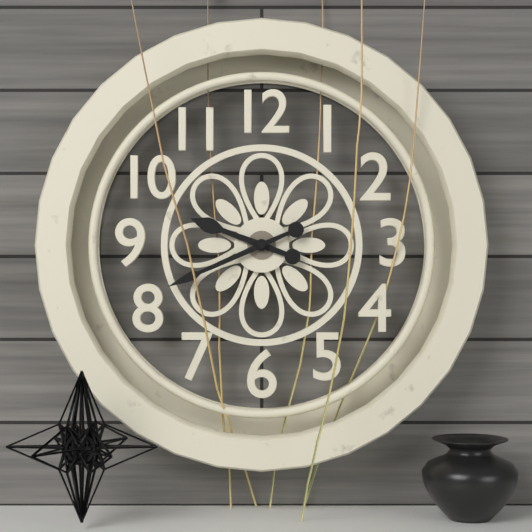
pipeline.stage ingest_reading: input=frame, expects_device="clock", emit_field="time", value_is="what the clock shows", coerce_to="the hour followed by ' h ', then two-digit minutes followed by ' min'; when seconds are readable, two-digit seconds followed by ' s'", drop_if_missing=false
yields 9 h 41 min
